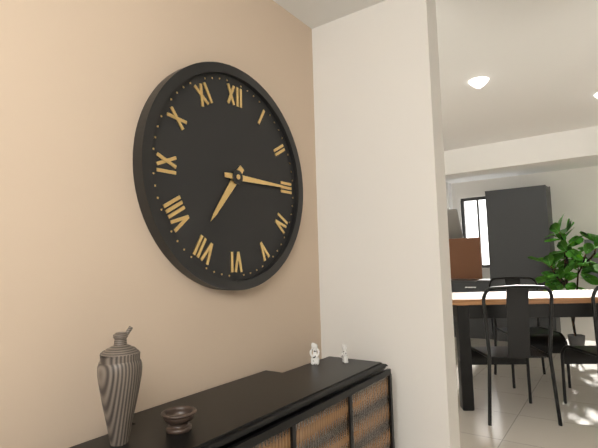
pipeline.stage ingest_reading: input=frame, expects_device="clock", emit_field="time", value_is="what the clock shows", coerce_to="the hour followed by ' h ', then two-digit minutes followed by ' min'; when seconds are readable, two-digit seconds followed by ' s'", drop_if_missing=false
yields 7 h 15 min
